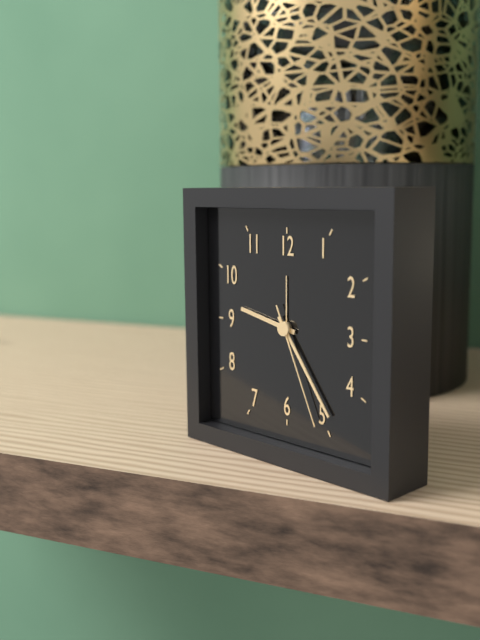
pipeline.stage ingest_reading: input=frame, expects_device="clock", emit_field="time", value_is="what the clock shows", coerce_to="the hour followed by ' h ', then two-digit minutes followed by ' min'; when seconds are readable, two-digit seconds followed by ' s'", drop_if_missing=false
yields 9 h 24 min 26 s
